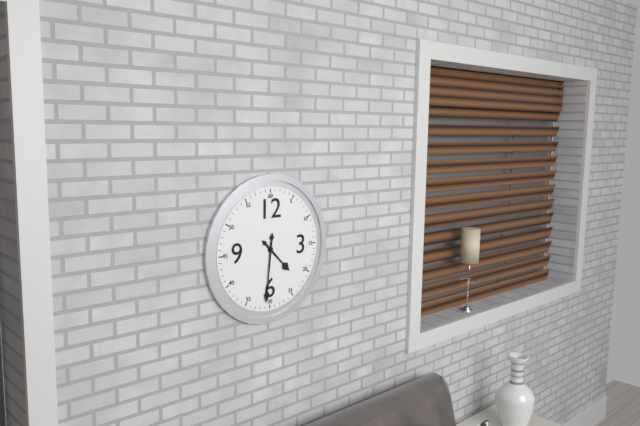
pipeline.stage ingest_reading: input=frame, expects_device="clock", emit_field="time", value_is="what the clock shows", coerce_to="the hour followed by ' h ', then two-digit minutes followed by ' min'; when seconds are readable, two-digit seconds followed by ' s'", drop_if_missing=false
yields 4 h 31 min
